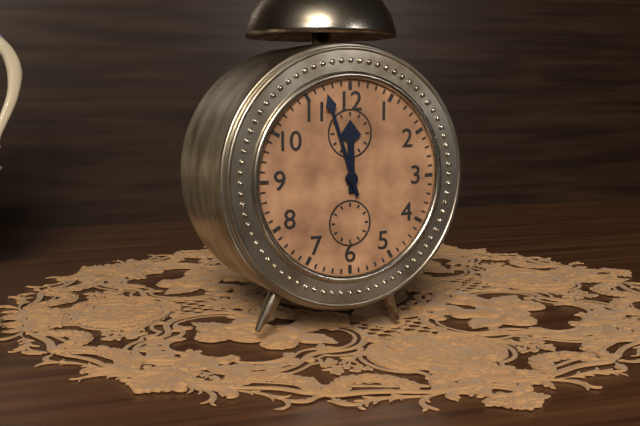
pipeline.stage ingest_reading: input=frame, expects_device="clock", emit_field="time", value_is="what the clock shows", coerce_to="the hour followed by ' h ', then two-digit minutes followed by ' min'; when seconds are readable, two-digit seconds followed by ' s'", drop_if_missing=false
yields 11 h 57 min
